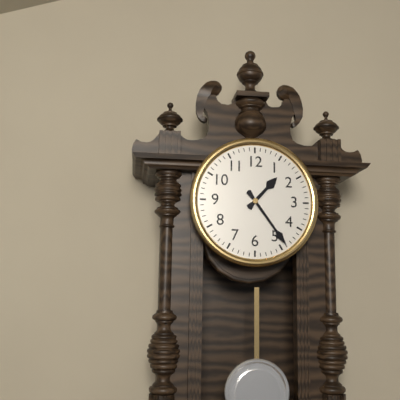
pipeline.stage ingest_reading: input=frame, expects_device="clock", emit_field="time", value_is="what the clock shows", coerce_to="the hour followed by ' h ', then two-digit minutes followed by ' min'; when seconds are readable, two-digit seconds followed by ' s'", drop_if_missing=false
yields 1 h 24 min
